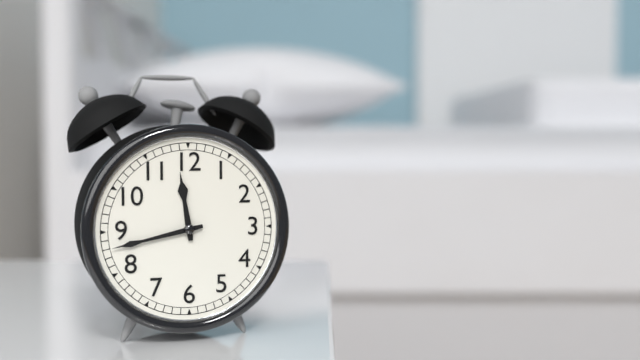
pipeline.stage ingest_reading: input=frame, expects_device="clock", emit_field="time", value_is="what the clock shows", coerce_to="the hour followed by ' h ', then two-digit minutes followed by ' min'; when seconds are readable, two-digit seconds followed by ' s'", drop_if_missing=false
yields 11 h 43 min
